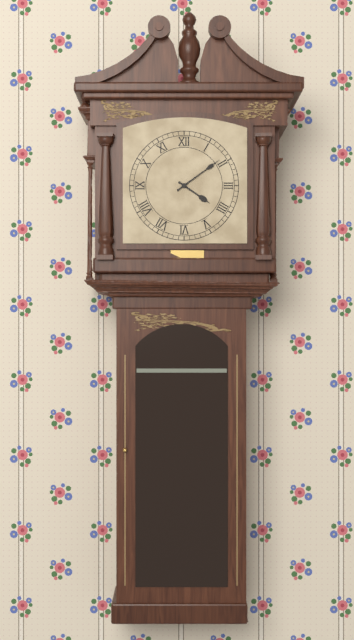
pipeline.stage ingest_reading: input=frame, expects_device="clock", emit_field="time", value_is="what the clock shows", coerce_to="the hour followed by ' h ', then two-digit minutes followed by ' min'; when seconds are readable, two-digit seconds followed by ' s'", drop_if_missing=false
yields 4 h 09 min
